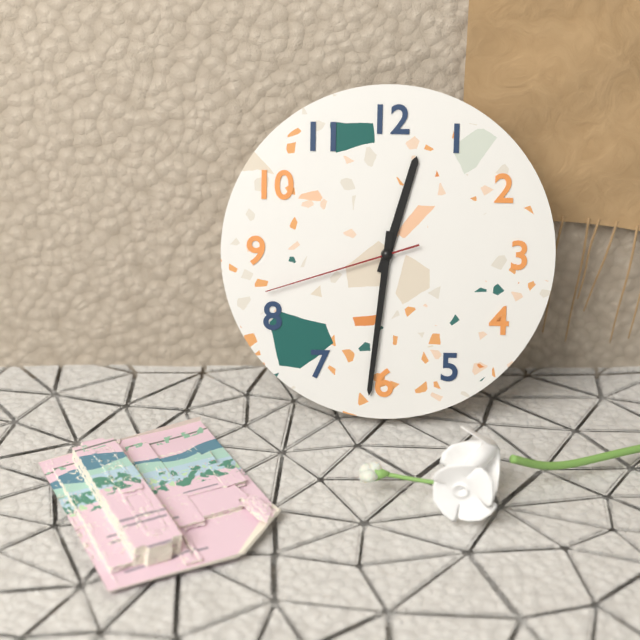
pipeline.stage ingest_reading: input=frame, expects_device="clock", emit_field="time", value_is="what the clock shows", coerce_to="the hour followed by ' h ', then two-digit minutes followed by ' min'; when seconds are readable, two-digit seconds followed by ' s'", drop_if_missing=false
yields 12 h 31 min 42 s
